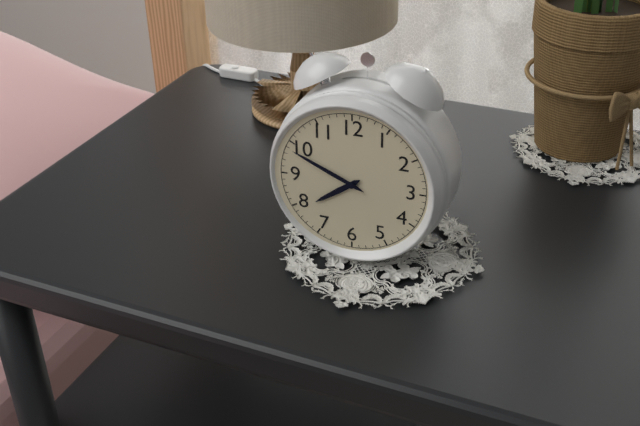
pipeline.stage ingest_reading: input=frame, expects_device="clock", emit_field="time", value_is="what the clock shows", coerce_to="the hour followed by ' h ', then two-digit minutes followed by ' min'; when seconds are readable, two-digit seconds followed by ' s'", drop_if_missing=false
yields 7 h 49 min
